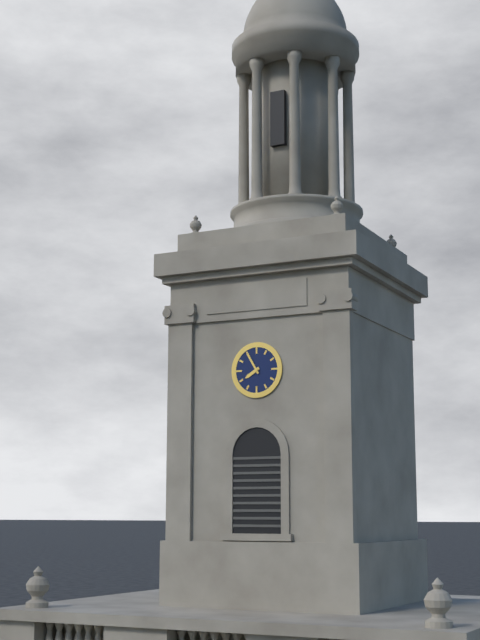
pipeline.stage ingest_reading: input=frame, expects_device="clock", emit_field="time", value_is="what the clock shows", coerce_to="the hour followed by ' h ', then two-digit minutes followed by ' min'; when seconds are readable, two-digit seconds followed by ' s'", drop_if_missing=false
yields 7 h 55 min
